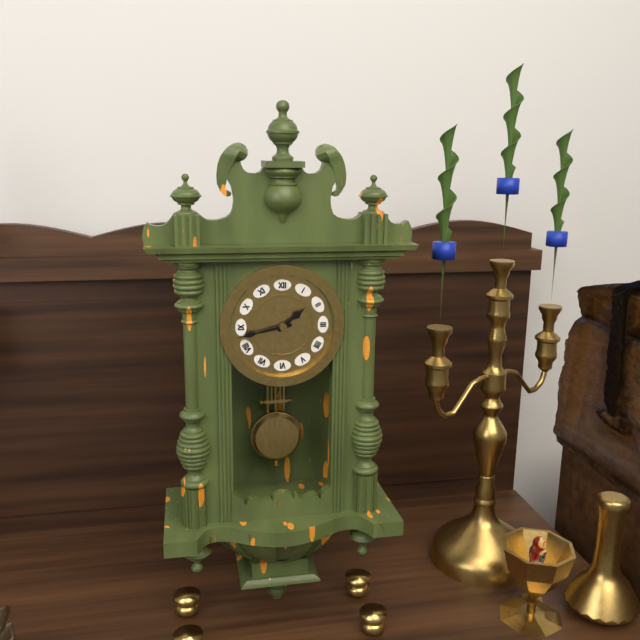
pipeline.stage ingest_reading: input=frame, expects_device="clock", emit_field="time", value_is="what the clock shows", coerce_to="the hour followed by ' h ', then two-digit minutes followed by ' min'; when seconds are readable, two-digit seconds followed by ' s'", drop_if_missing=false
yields 1 h 43 min
